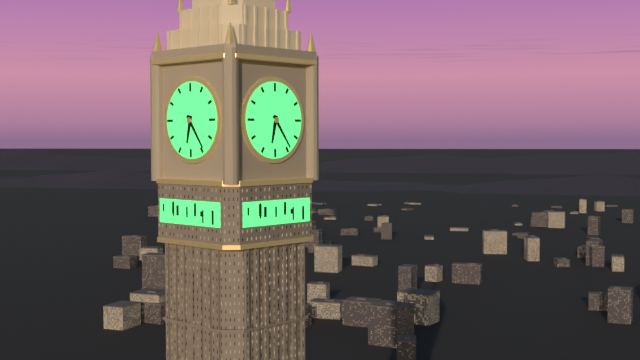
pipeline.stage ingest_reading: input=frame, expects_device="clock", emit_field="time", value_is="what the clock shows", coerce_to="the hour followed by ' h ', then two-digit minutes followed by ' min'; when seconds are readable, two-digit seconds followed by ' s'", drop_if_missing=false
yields 6 h 24 min
